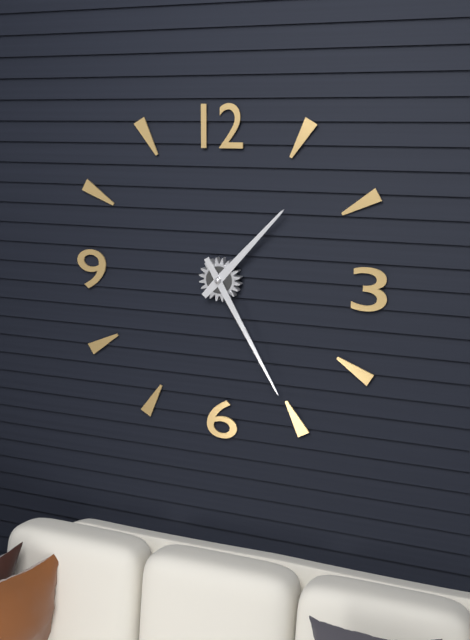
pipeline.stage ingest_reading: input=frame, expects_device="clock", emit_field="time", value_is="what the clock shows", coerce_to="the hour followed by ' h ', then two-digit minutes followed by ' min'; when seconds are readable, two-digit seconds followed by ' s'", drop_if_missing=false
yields 1 h 25 min
